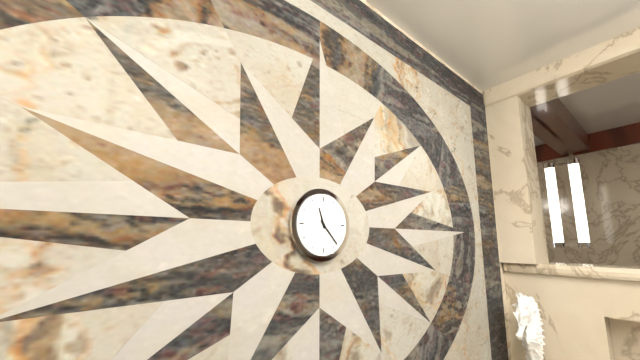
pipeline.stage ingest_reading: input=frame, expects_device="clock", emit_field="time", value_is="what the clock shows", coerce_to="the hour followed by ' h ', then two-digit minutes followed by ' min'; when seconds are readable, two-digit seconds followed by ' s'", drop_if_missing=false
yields 11 h 23 min
